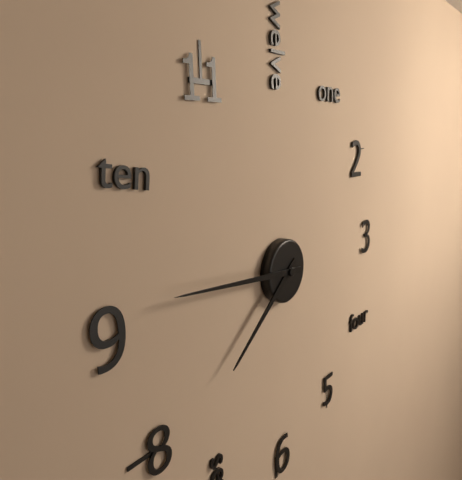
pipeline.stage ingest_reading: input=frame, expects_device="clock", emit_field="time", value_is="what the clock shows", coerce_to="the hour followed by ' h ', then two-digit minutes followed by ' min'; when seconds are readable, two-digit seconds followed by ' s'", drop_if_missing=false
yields 7 h 46 min
